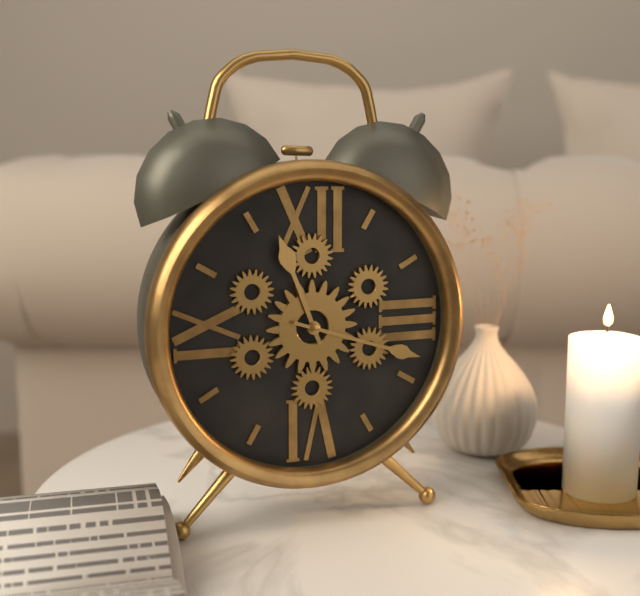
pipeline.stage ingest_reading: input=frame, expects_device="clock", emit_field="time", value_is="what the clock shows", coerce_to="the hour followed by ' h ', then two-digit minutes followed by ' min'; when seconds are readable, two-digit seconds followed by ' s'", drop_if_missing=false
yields 11 h 18 min
